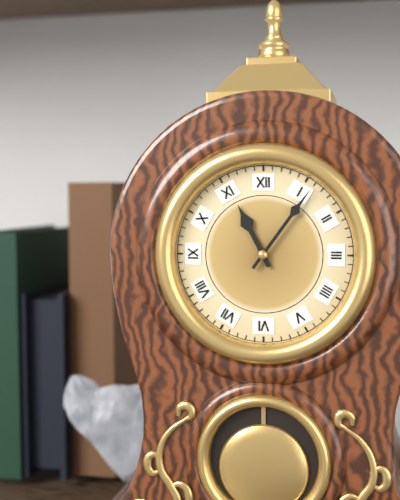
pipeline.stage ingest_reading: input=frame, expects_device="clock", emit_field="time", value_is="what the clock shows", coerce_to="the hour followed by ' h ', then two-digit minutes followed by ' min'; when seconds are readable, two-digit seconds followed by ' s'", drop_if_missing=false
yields 11 h 06 min
